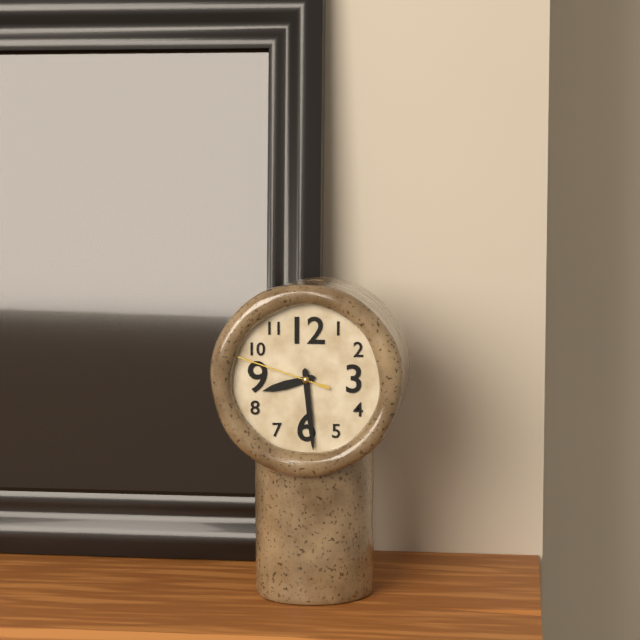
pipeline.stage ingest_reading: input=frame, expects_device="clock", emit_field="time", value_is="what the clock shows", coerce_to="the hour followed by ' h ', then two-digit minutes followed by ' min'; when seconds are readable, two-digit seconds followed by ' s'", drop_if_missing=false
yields 8 h 29 min 48 s
